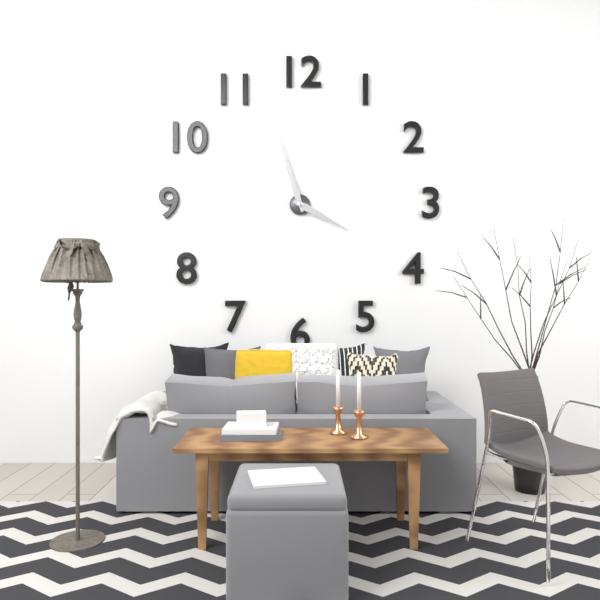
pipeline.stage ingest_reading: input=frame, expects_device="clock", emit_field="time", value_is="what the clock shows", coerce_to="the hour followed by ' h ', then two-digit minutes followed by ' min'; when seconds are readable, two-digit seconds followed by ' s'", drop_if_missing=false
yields 3 h 57 min
